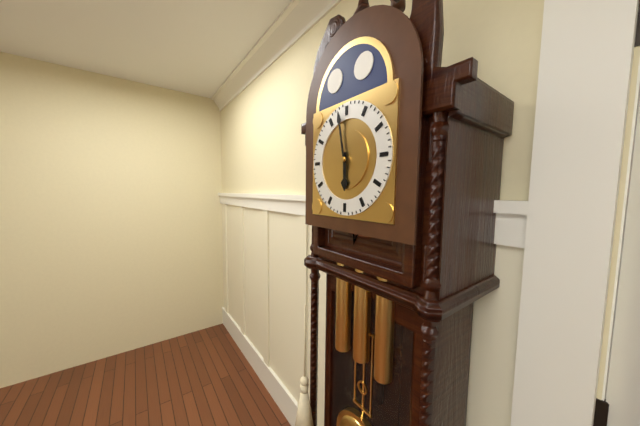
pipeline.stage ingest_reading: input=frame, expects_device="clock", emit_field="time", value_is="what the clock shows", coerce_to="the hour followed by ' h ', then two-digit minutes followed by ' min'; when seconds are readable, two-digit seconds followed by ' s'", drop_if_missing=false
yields 5 h 58 min
